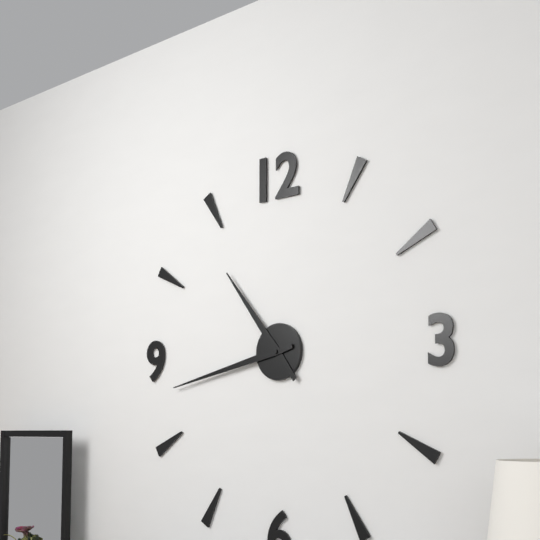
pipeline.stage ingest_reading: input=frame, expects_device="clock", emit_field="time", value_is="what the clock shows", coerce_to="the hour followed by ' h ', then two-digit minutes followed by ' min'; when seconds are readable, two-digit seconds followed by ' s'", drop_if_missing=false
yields 10 h 43 min
